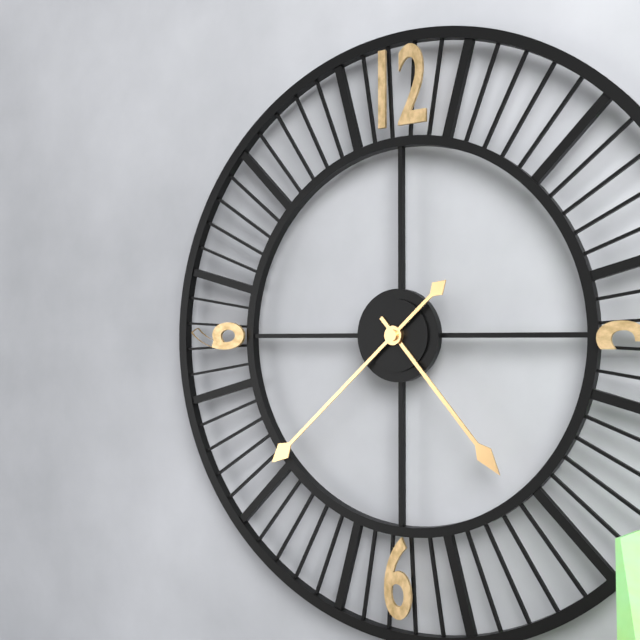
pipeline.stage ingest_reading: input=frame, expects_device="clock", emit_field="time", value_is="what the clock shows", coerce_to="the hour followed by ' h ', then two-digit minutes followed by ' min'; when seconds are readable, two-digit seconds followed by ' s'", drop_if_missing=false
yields 4 h 38 min
